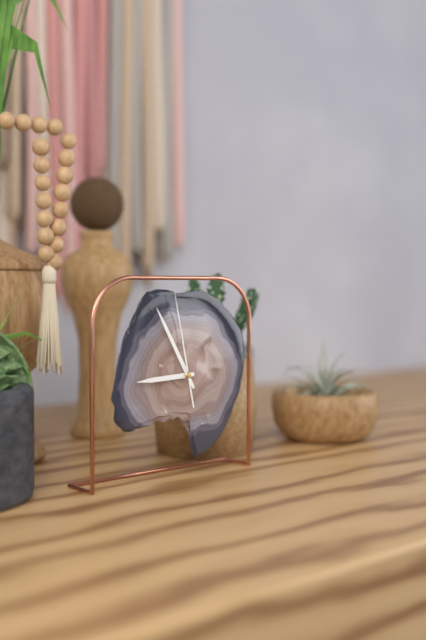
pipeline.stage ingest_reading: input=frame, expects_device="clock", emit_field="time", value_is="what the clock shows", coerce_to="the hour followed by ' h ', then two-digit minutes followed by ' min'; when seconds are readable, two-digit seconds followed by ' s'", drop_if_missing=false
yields 8 h 55 min 58 s
